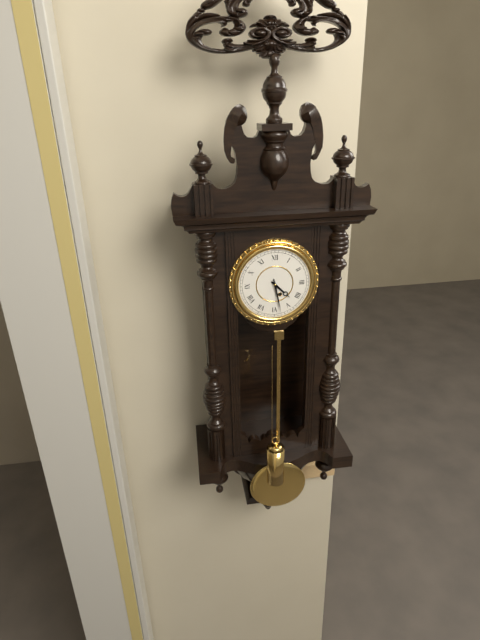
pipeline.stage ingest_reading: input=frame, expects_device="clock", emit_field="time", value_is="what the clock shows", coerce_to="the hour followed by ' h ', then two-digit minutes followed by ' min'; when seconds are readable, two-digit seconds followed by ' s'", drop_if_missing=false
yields 4 h 28 min
